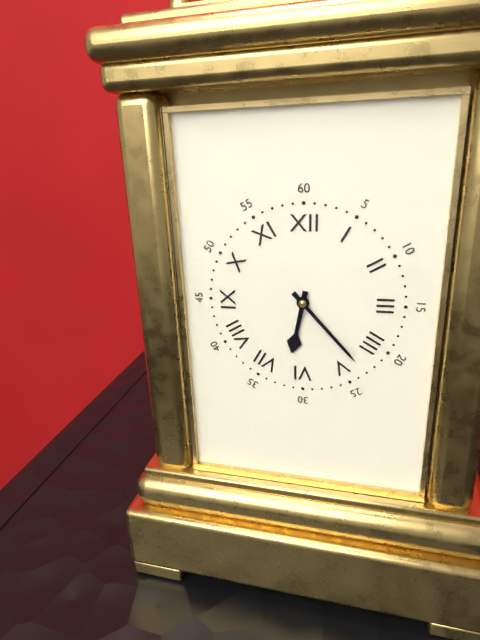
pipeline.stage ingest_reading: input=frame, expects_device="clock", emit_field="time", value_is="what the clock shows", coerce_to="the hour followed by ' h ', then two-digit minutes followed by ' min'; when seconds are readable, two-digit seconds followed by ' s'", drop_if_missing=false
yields 6 h 23 min
